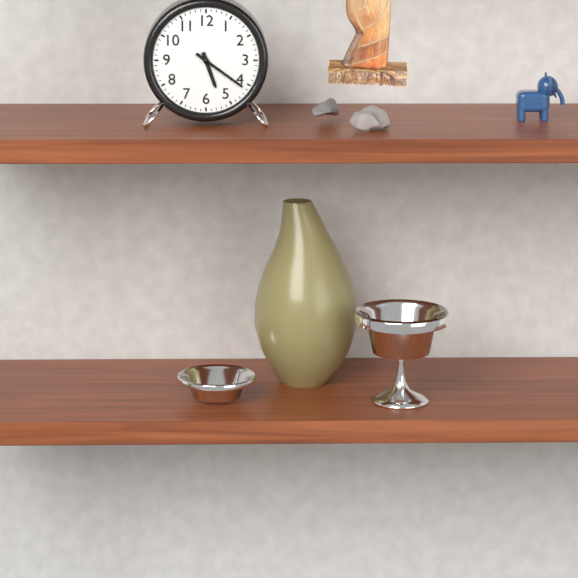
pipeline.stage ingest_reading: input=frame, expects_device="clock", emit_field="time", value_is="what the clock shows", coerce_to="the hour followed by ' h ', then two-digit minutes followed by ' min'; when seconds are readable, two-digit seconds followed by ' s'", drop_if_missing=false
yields 5 h 21 min
